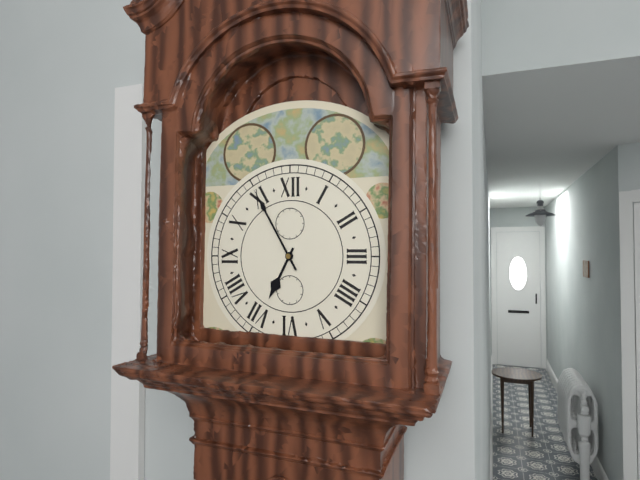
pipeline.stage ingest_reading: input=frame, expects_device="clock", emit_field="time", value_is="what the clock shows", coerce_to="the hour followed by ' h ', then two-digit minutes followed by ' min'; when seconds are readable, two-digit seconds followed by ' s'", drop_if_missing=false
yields 6 h 55 min
